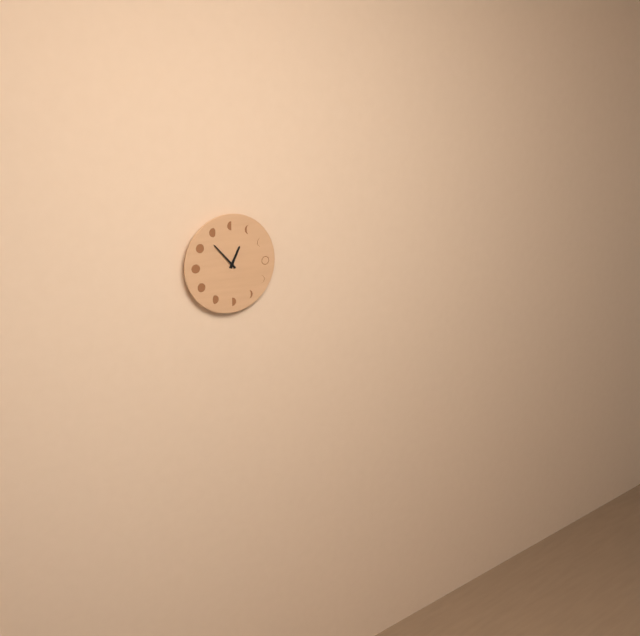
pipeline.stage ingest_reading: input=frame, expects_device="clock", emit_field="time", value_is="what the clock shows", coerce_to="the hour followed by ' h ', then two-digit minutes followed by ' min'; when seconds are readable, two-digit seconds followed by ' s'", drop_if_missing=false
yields 12 h 53 min
